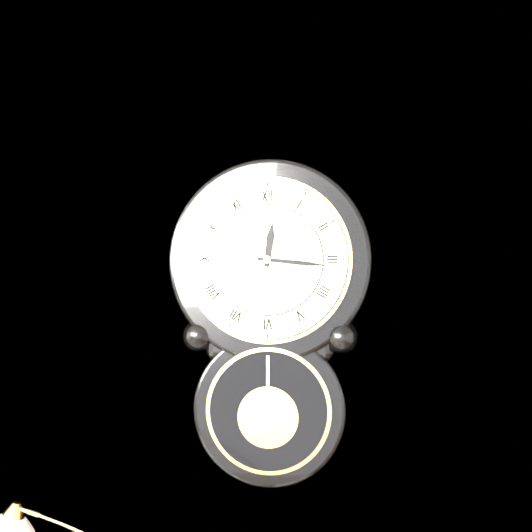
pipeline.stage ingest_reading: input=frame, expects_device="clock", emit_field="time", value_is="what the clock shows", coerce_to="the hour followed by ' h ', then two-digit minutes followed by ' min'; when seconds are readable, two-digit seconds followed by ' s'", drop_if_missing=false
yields 12 h 16 min
